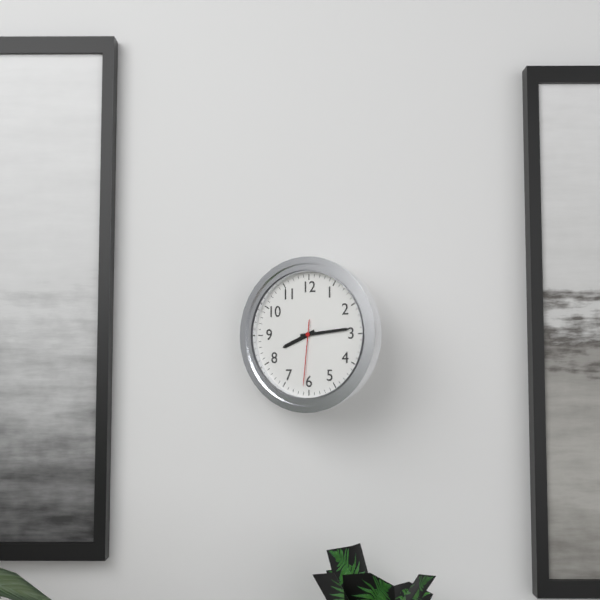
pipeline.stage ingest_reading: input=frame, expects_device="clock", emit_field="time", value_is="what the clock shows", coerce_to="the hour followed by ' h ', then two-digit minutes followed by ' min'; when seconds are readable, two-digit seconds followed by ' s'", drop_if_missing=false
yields 8 h 14 min 31 s
